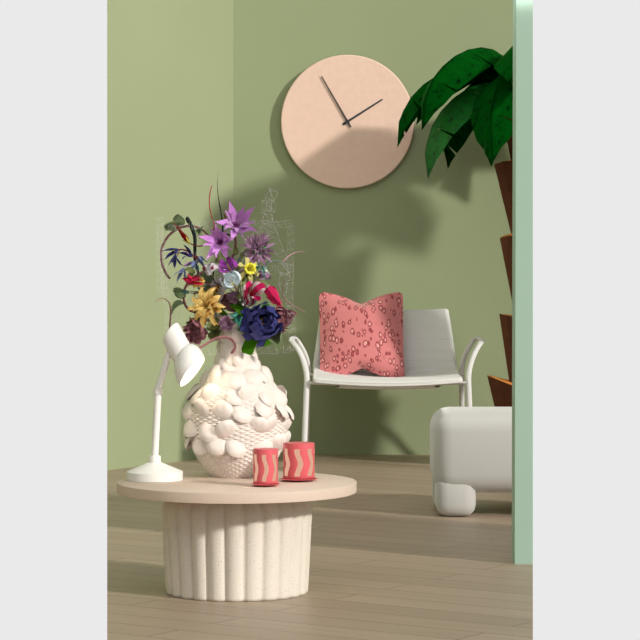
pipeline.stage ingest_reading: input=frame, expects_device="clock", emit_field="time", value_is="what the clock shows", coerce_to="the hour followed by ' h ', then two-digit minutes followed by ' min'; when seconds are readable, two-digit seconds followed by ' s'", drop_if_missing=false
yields 1 h 55 min
